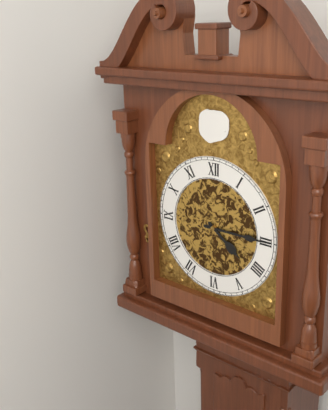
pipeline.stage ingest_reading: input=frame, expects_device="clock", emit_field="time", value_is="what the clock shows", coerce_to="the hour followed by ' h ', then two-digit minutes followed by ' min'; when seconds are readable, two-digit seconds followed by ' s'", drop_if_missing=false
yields 4 h 15 min
